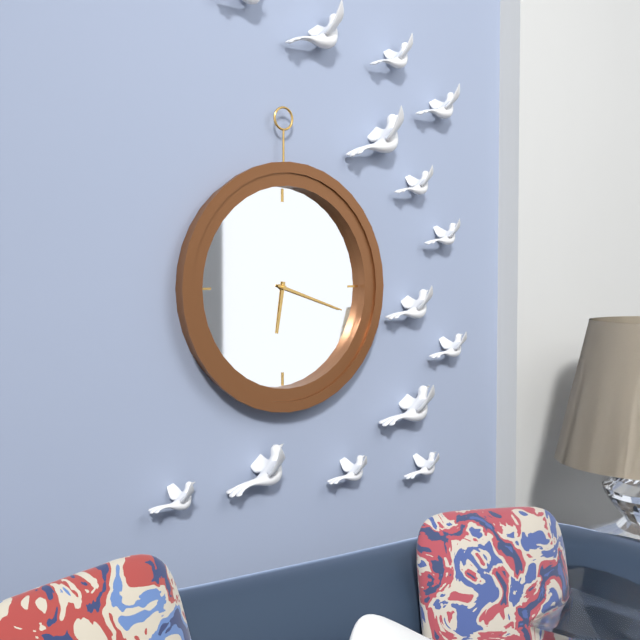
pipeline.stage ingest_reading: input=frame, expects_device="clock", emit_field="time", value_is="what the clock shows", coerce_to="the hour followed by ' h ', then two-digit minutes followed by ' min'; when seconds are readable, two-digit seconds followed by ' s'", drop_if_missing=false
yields 6 h 18 min
